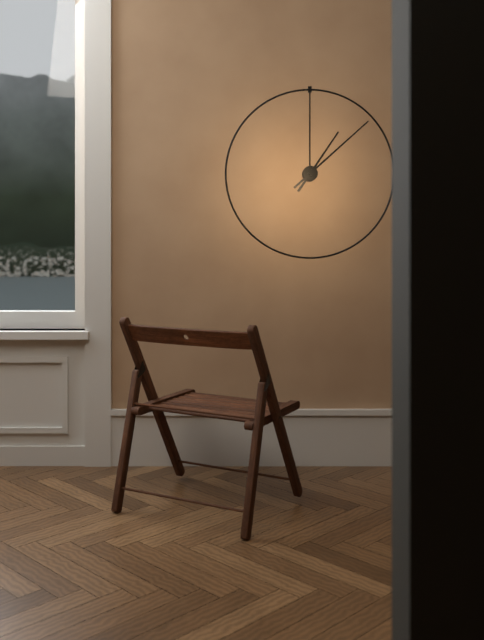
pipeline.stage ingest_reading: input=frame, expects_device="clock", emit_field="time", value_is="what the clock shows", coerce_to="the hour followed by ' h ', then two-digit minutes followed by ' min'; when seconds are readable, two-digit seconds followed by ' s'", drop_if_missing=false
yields 1 h 08 min
